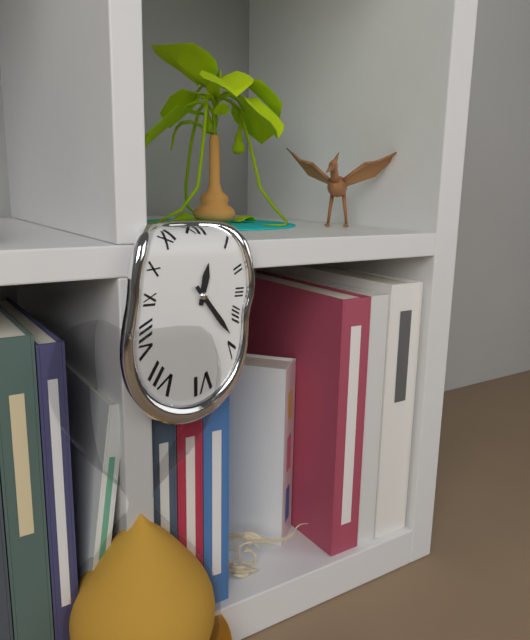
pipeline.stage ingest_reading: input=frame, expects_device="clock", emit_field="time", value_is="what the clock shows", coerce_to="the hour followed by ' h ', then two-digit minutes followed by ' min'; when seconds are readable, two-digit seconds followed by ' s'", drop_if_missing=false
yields 12 h 24 min
